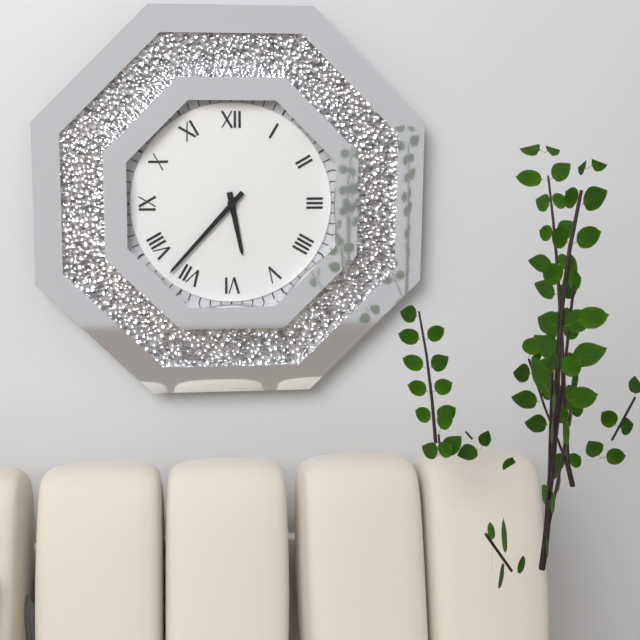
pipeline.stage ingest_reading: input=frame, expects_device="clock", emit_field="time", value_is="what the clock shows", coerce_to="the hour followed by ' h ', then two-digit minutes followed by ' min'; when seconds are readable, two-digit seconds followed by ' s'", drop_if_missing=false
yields 5 h 37 min
